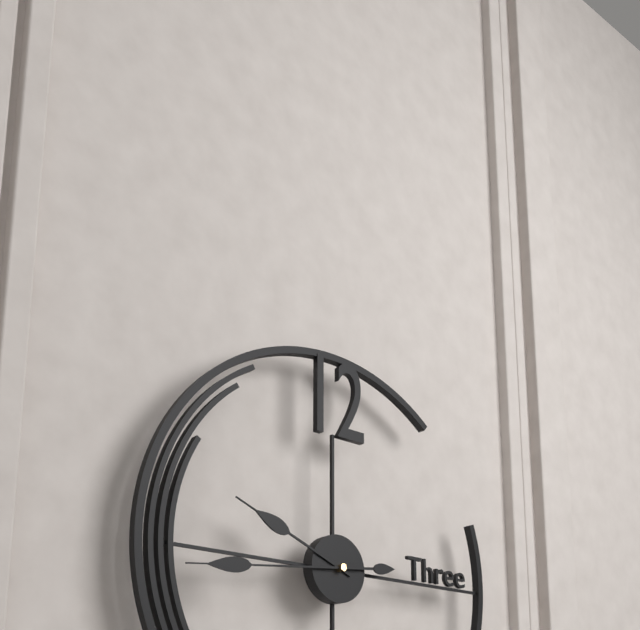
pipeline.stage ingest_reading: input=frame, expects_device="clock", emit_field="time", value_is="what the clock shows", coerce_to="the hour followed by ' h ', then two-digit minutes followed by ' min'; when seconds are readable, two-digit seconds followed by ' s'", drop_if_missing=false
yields 9 h 44 min
